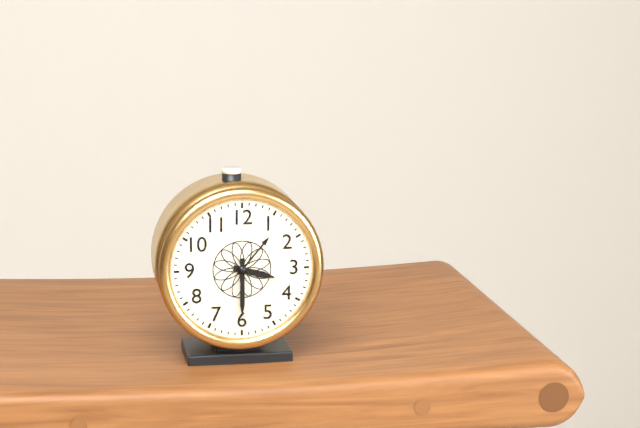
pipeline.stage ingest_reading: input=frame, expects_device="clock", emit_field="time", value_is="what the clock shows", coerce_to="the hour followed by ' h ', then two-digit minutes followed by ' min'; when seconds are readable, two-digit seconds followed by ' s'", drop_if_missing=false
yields 3 h 30 min
